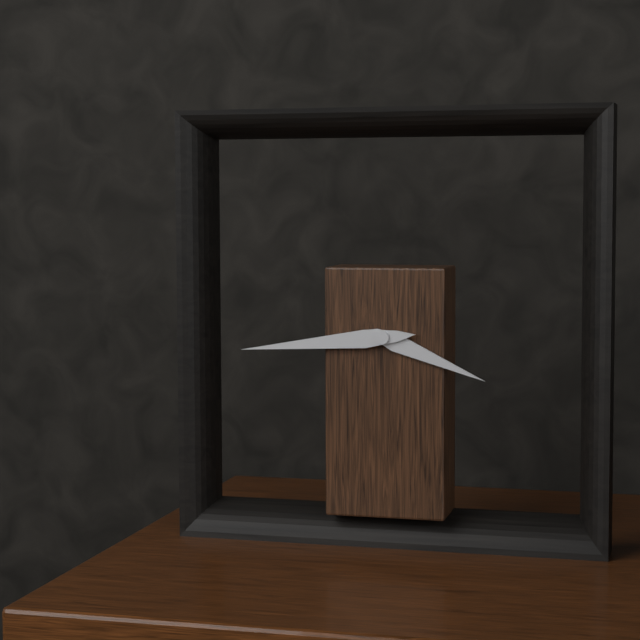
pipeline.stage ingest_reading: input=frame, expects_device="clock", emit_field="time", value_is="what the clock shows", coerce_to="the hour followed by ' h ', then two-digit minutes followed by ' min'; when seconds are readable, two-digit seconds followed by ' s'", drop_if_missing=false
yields 3 h 44 min
